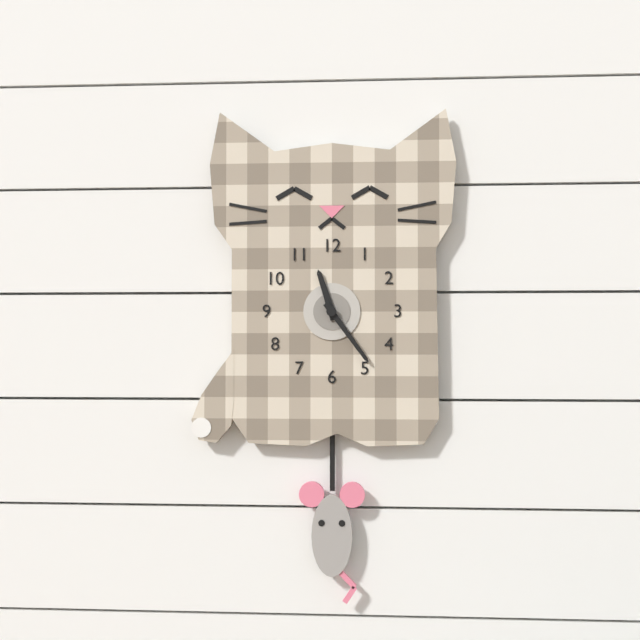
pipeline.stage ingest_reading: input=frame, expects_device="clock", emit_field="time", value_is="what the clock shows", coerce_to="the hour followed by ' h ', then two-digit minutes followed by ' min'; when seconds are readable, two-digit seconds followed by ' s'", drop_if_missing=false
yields 11 h 24 min
